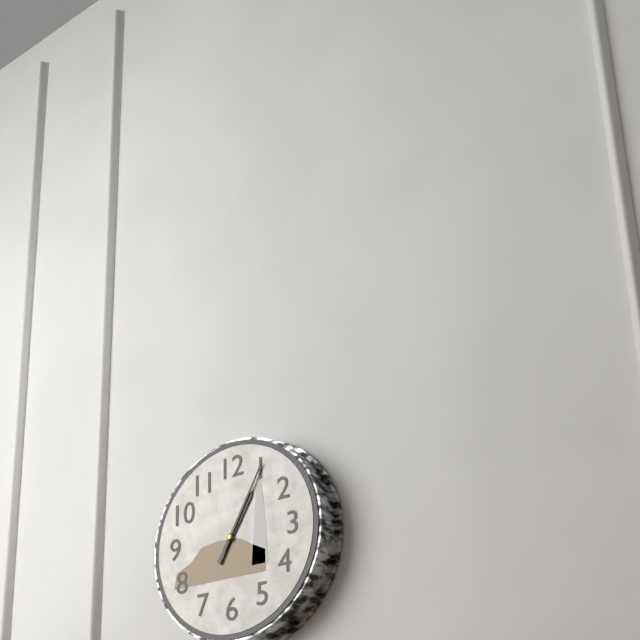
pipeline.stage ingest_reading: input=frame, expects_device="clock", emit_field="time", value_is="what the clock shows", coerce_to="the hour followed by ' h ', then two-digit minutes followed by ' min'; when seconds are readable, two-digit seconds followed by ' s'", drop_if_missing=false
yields 1 h 05 min
